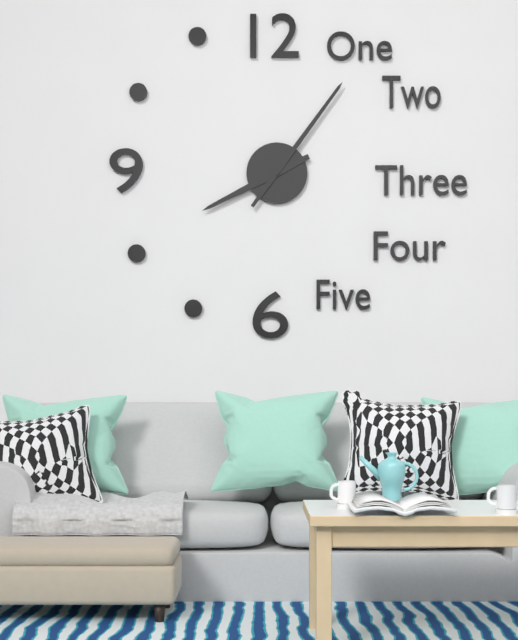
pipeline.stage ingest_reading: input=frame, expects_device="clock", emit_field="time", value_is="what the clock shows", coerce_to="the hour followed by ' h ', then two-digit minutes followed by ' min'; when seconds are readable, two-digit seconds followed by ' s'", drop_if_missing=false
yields 8 h 06 min
